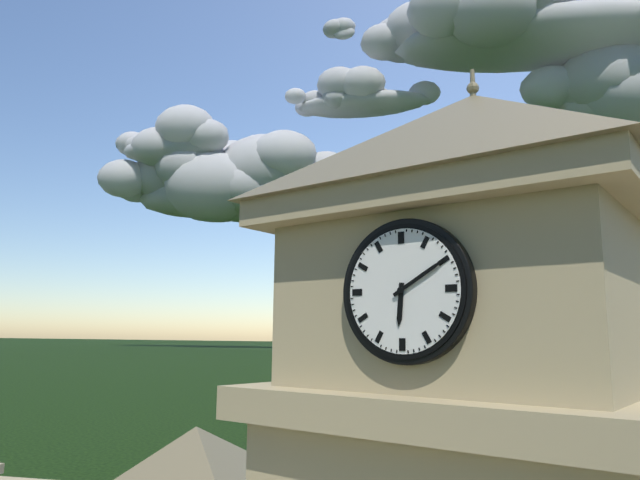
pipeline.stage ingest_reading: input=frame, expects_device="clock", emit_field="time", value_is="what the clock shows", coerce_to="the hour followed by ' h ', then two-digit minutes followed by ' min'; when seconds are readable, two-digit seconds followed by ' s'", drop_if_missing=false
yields 6 h 10 min
